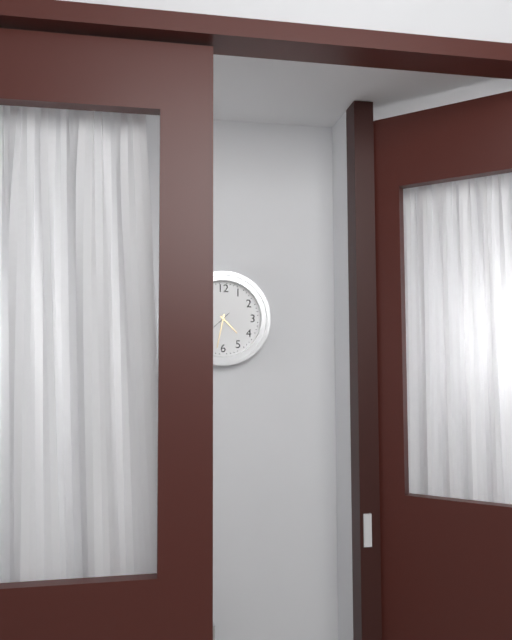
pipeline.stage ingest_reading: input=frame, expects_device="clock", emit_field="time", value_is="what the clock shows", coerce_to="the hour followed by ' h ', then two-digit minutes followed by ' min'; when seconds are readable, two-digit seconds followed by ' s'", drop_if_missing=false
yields 4 h 32 min
